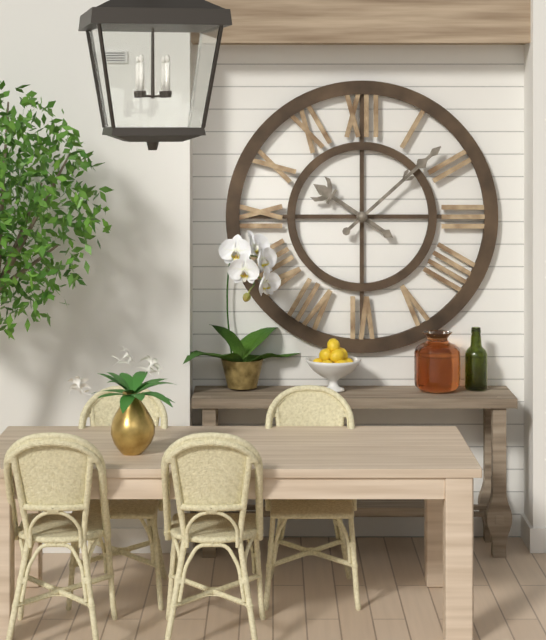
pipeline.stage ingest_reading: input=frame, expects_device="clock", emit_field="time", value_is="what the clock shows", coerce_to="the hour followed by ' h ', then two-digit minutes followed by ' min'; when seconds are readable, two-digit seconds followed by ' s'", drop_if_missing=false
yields 10 h 08 min
